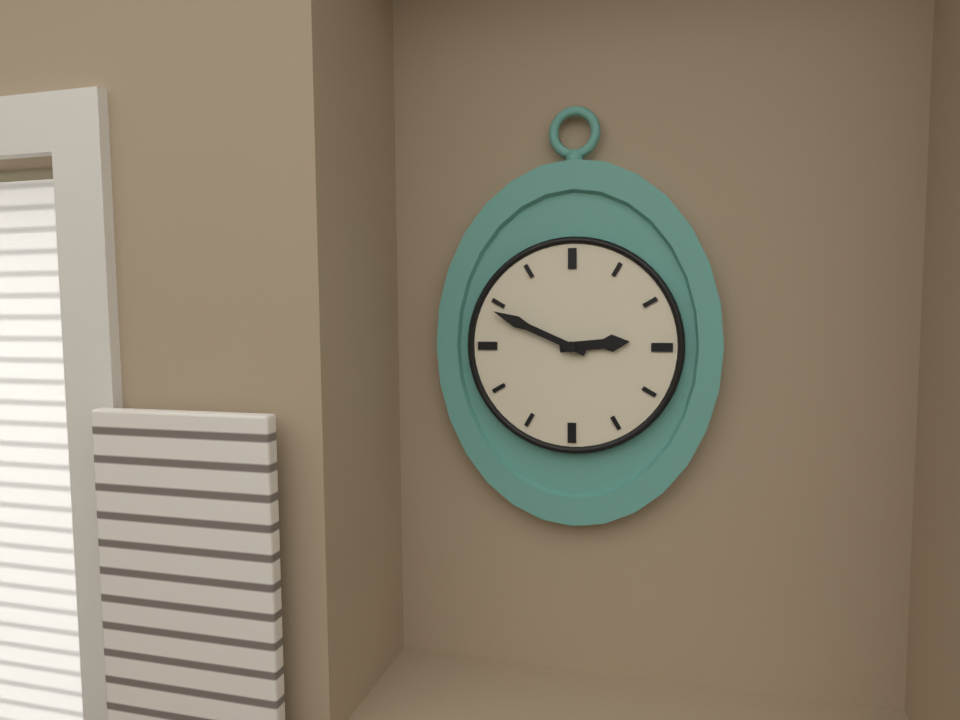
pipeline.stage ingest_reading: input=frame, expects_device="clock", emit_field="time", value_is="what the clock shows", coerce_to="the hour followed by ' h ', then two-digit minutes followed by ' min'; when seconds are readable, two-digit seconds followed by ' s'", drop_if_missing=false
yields 2 h 49 min
